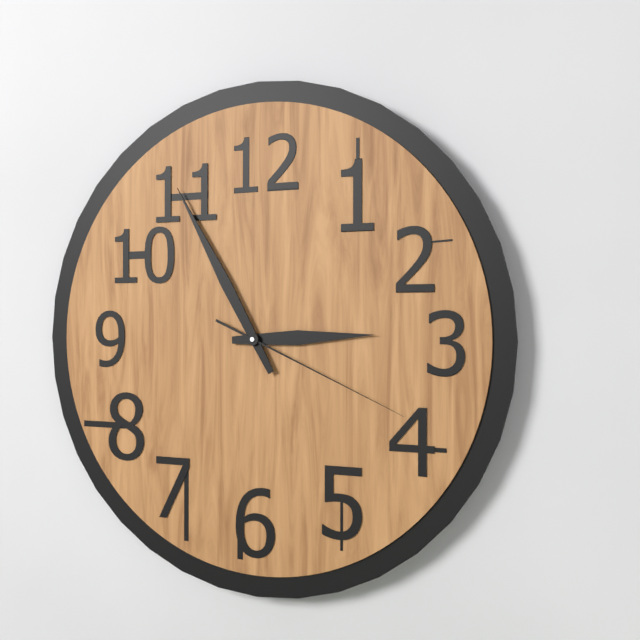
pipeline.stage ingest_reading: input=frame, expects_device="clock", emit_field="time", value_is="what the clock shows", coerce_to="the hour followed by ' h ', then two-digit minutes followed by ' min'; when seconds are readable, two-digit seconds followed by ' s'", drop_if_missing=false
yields 2 h 55 min 19 s
